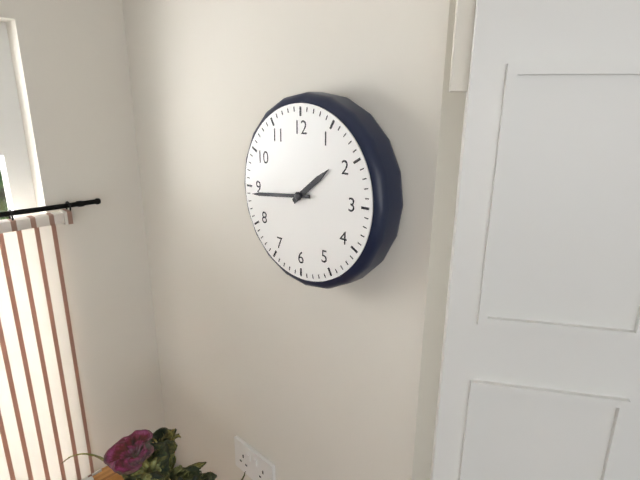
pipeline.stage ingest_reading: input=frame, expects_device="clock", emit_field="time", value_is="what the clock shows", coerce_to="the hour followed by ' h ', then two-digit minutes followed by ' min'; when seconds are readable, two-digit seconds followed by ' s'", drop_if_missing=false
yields 1 h 44 min
